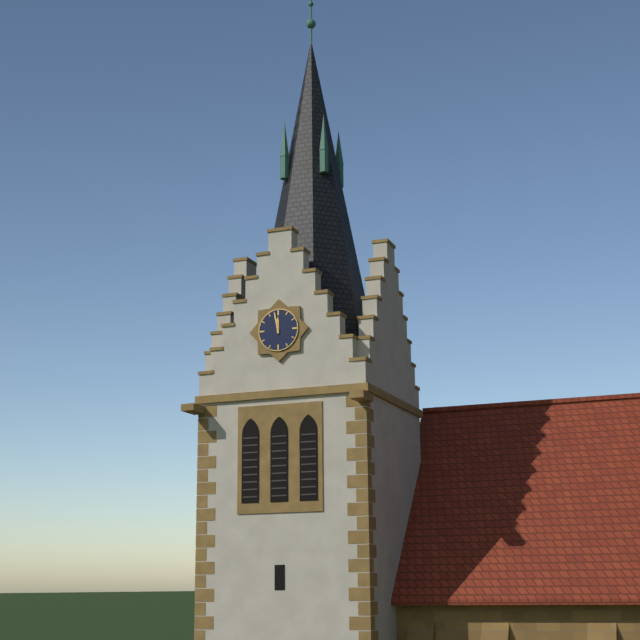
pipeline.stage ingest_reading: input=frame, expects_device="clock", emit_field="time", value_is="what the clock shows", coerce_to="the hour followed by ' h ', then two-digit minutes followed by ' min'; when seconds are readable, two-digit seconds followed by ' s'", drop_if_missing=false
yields 11 h 58 min
